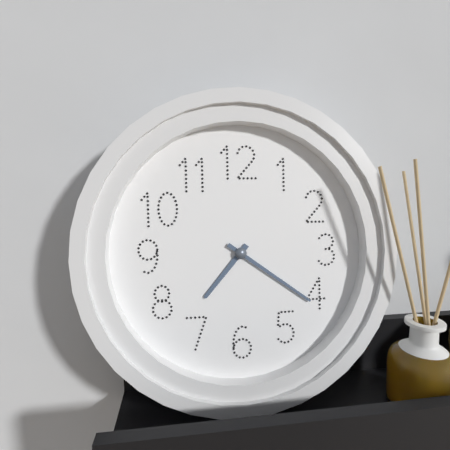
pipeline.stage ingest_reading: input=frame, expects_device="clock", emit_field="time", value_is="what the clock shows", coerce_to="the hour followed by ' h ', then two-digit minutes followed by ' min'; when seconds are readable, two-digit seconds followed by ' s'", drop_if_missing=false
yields 7 h 21 min
